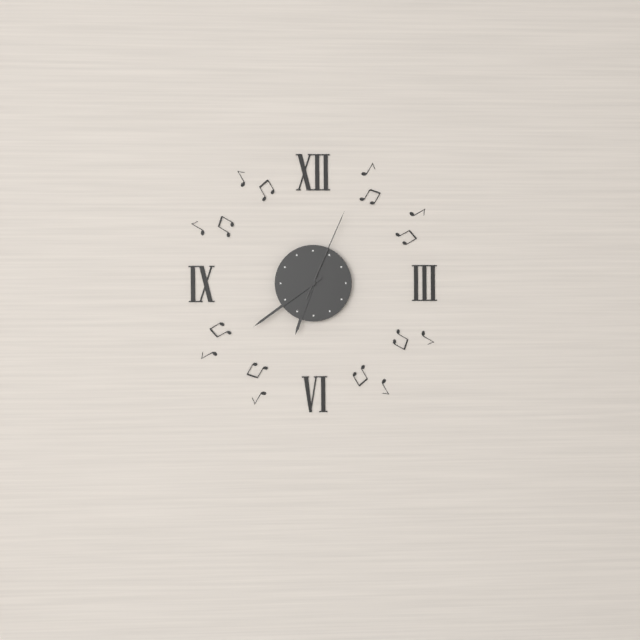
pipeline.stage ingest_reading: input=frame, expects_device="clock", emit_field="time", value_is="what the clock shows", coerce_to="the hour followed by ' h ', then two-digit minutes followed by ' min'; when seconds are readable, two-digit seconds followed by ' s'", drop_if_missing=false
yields 6 h 39 min 04 s
